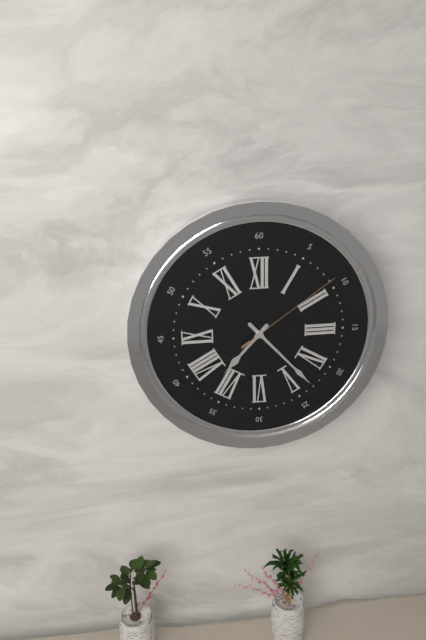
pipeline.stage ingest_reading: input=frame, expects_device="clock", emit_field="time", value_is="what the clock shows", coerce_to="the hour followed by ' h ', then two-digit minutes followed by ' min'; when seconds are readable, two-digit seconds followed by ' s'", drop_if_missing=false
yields 7 h 23 min 09 s
